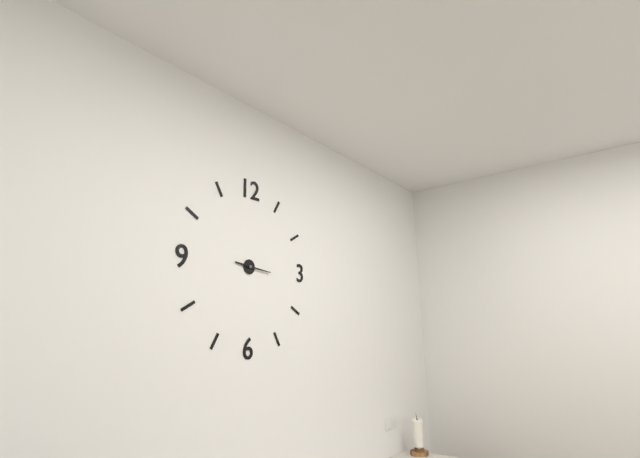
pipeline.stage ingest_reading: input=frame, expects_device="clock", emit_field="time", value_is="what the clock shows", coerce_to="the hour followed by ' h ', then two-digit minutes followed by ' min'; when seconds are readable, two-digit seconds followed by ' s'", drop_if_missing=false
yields 9 h 16 min
